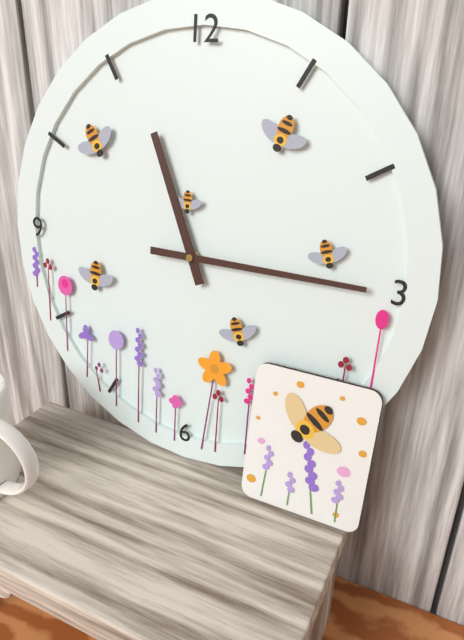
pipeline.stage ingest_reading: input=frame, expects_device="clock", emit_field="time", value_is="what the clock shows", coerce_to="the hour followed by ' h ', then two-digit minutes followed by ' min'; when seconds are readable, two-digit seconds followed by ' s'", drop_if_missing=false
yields 11 h 15 min
